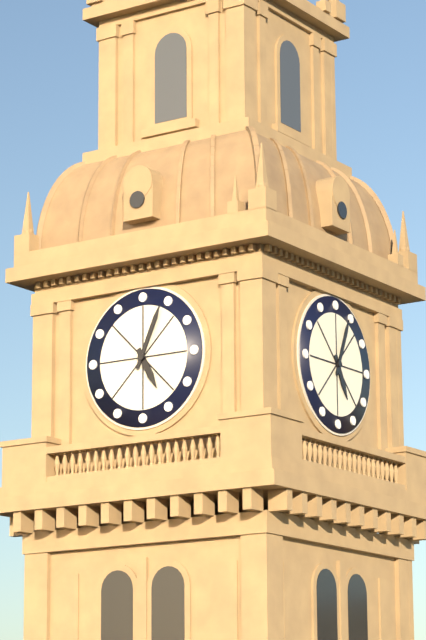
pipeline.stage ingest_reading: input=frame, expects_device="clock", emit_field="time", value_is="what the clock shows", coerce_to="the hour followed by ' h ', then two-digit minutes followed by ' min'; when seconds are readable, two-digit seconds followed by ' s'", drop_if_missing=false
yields 5 h 04 min
